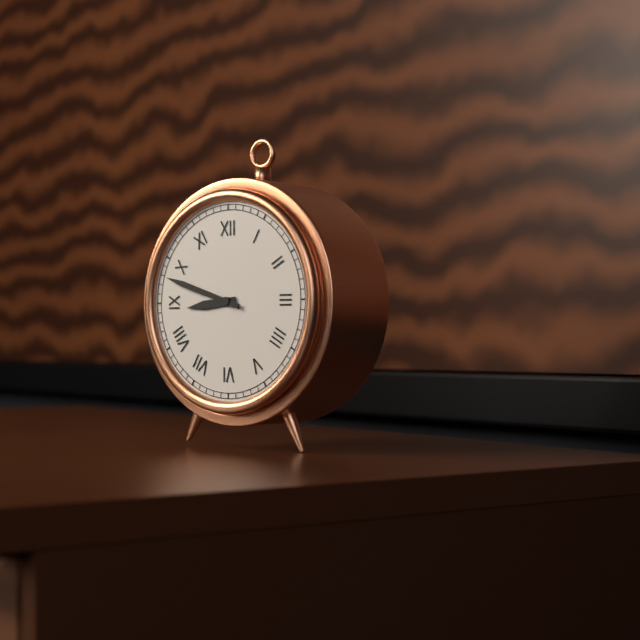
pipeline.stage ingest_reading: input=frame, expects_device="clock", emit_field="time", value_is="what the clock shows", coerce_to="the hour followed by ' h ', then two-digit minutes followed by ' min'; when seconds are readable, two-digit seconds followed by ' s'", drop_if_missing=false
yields 8 h 48 min
